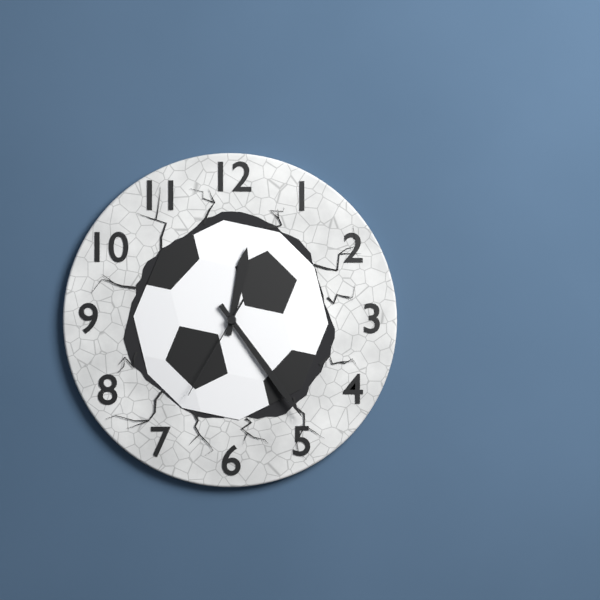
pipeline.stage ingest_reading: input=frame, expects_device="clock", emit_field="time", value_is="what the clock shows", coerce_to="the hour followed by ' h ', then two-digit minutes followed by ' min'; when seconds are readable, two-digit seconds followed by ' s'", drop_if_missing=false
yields 12 h 24 min 35 s
